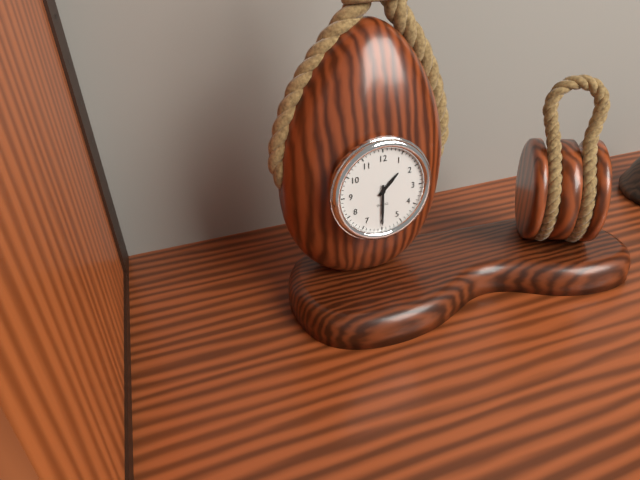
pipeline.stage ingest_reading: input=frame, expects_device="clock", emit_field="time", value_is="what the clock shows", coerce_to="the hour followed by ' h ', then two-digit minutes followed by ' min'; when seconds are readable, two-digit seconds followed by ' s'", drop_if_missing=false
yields 1 h 30 min
